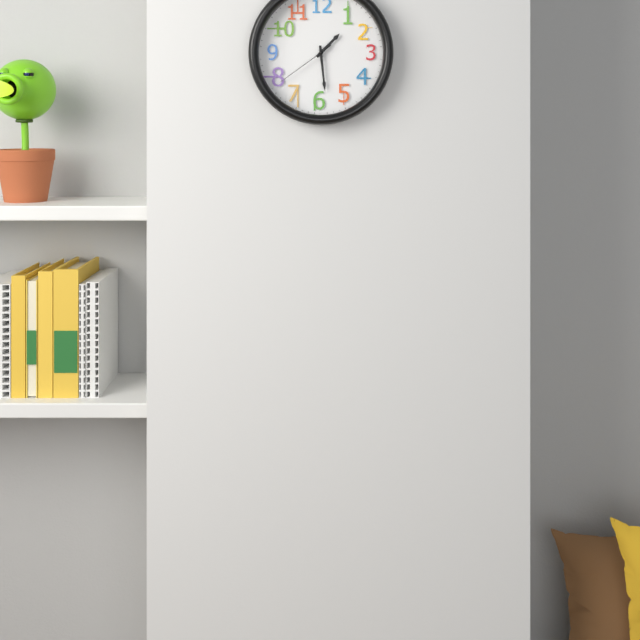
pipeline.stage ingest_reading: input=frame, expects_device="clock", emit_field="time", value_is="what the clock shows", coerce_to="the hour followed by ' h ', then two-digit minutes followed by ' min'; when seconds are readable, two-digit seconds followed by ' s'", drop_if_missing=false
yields 1 h 29 min 39 s
